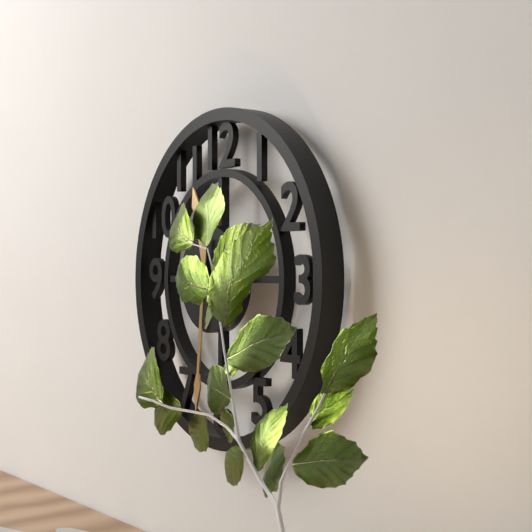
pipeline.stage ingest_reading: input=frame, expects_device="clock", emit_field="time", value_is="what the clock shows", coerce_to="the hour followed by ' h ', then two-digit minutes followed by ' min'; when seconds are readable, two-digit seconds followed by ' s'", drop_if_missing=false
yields 11 h 31 min
